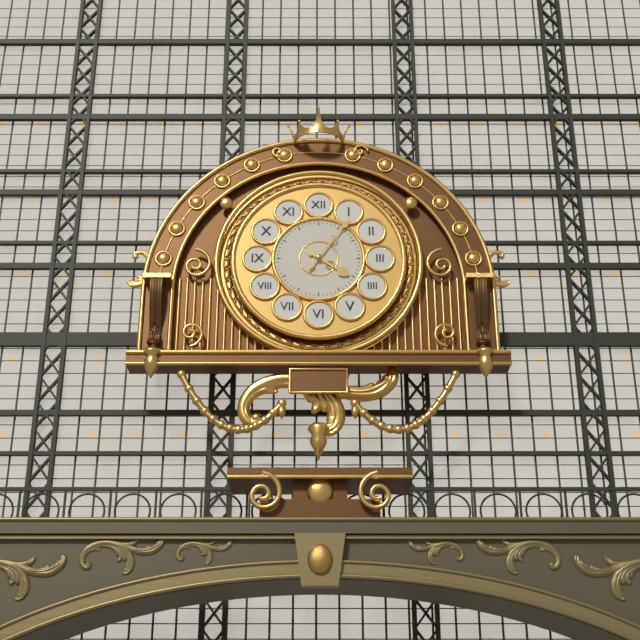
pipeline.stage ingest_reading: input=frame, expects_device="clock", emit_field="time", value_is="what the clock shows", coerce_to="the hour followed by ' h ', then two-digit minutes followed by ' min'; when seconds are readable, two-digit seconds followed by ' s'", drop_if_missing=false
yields 4 h 06 min
